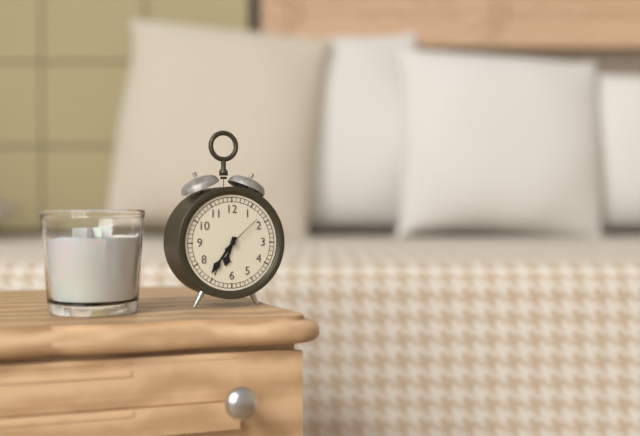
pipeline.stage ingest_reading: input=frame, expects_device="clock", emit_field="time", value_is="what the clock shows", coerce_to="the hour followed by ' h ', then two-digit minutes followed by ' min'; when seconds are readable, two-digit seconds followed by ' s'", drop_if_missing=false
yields 6 h 36 min
